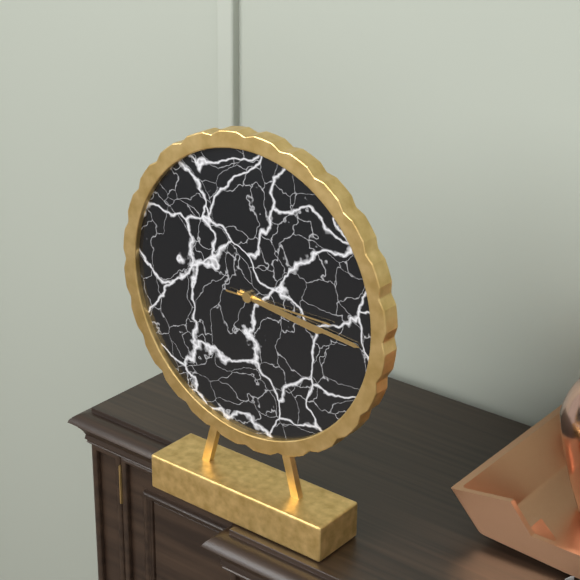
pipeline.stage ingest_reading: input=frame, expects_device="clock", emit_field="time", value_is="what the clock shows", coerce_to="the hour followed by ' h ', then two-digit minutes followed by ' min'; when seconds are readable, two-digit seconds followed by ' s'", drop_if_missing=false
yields 3 h 16 min 15 s
